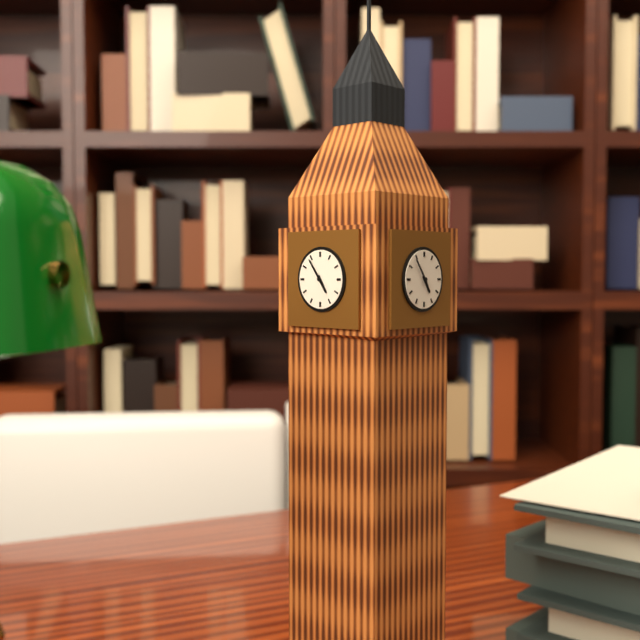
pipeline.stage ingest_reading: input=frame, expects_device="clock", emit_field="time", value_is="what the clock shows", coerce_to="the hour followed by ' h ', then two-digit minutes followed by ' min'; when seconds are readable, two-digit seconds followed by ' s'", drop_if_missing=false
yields 4 h 54 min
